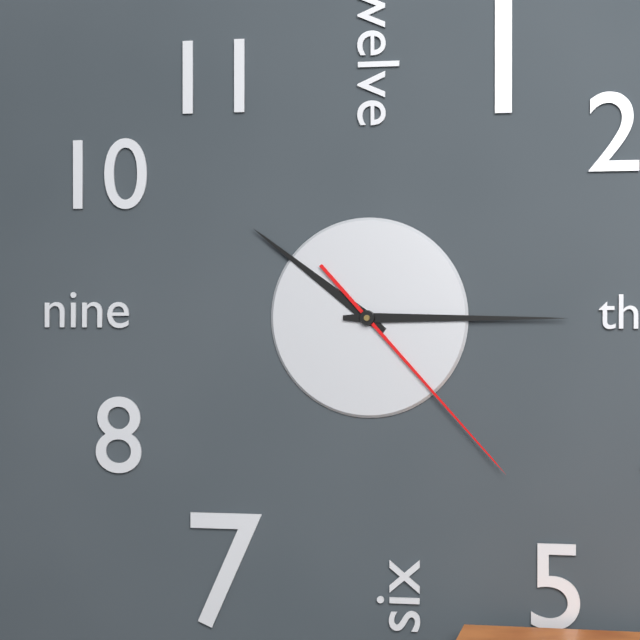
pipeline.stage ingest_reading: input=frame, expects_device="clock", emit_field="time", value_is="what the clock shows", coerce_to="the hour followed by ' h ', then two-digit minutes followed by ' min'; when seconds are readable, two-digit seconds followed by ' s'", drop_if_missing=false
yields 10 h 15 min 23 s
